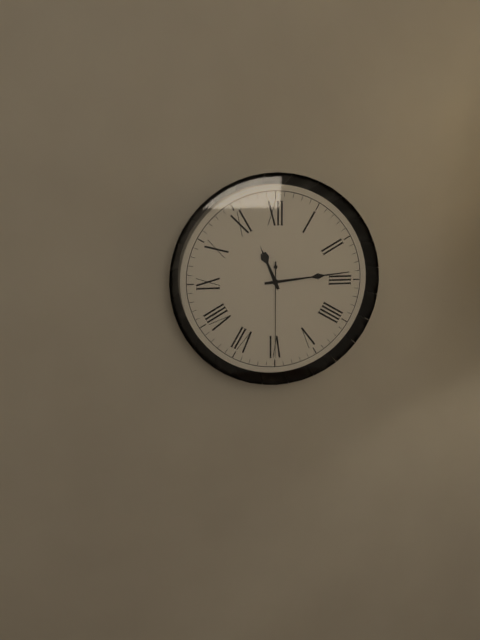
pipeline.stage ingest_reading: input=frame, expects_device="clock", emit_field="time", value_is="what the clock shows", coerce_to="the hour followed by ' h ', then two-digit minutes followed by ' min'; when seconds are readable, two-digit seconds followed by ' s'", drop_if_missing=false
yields 11 h 14 min 30 s
